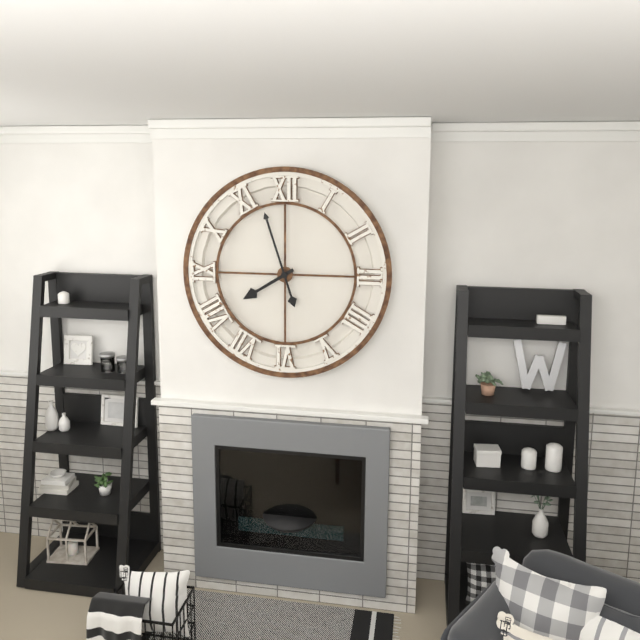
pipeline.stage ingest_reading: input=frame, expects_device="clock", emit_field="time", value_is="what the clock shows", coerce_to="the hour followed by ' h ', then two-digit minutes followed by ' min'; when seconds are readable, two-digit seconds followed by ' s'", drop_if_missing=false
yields 7 h 57 min
